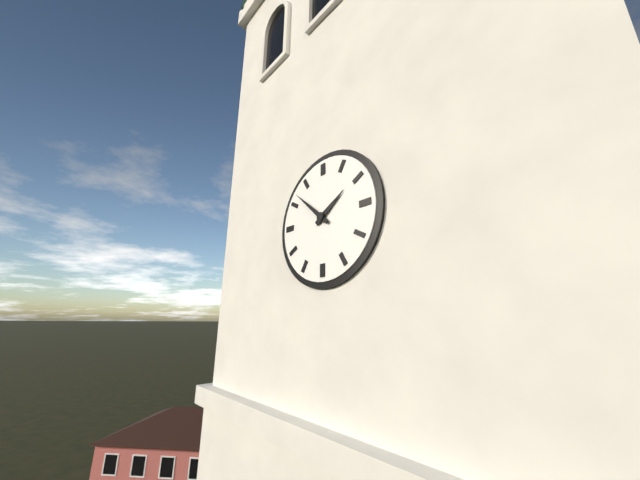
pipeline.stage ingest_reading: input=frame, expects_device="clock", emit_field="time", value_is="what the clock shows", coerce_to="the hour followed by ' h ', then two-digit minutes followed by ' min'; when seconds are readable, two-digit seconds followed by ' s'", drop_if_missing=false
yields 1 h 52 min
